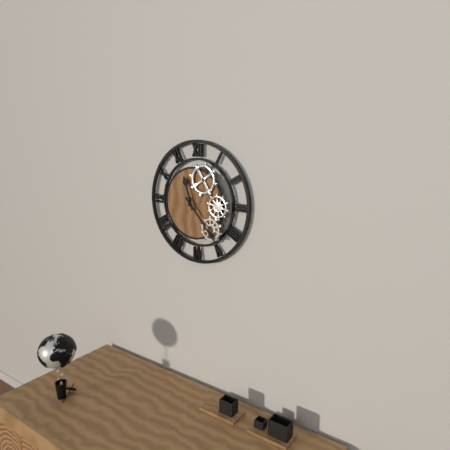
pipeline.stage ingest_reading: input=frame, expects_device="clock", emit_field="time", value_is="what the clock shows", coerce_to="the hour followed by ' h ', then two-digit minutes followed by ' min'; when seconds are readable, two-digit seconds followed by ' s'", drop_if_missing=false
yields 11 h 23 min
